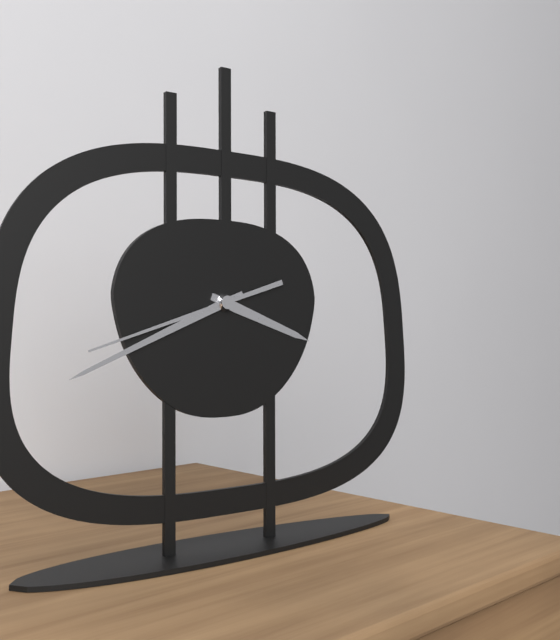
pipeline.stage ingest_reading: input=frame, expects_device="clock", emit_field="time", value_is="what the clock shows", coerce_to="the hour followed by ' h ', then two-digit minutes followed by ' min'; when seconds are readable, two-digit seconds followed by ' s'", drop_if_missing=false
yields 3 h 41 min 42 s
